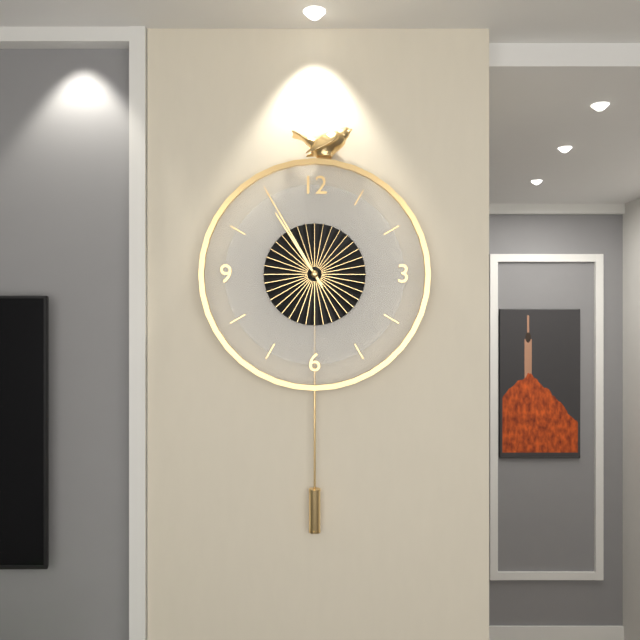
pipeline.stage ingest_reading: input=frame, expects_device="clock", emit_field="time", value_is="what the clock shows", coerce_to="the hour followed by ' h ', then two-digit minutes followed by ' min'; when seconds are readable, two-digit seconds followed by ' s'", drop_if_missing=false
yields 10 h 55 min
